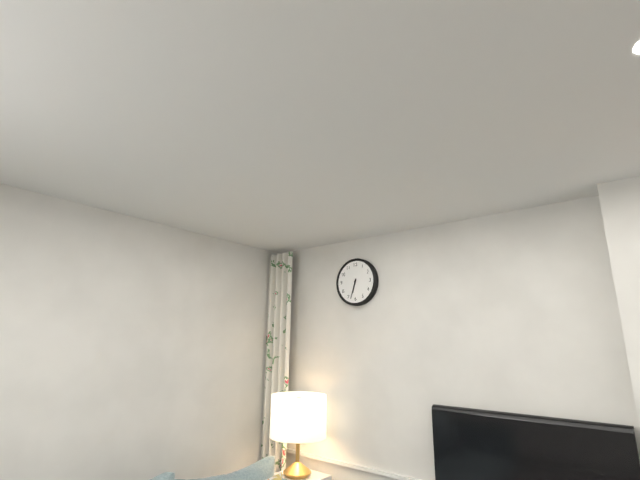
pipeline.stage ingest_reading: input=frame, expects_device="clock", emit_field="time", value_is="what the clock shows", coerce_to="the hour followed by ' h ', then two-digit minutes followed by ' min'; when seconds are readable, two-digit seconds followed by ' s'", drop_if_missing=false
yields 6 h 33 min
